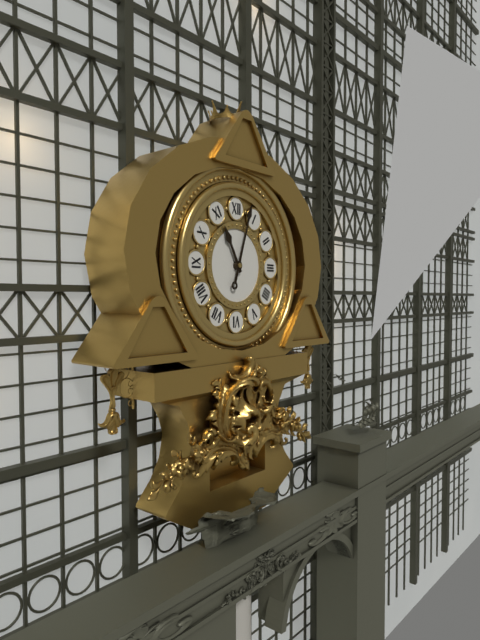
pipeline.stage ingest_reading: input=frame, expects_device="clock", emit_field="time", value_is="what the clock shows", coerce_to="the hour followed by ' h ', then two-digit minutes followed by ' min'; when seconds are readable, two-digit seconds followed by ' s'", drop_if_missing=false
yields 11 h 03 min
